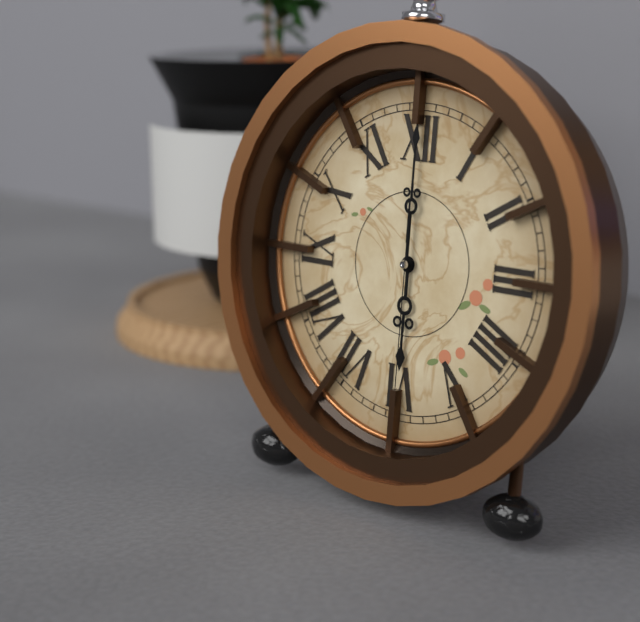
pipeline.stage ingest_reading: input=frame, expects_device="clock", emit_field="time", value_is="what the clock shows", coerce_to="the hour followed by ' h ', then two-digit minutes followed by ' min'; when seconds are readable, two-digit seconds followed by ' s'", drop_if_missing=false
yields 6 h 00 min 30 s
